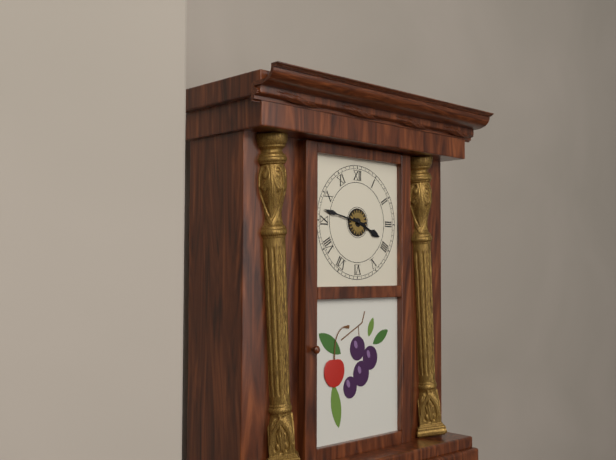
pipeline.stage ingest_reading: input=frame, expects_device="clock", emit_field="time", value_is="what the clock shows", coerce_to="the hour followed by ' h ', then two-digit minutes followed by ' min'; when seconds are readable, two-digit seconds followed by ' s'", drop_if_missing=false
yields 3 h 47 min
